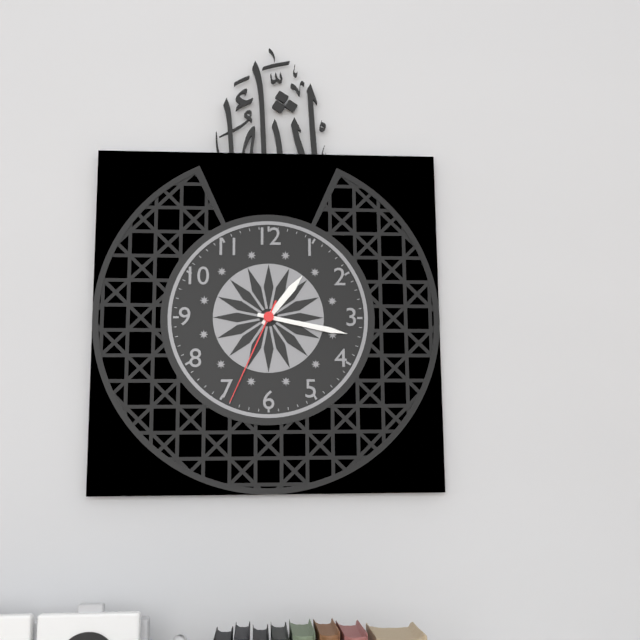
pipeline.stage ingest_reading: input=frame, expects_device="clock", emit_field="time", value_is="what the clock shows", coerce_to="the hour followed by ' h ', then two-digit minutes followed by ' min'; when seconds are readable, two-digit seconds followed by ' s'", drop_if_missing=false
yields 1 h 17 min 34 s
